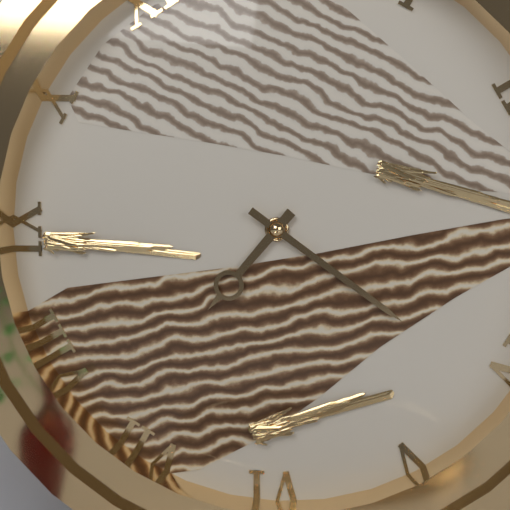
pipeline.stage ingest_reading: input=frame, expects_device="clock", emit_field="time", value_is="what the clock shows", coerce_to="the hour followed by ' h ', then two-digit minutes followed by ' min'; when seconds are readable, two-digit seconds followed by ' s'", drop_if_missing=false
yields 7 h 21 min
